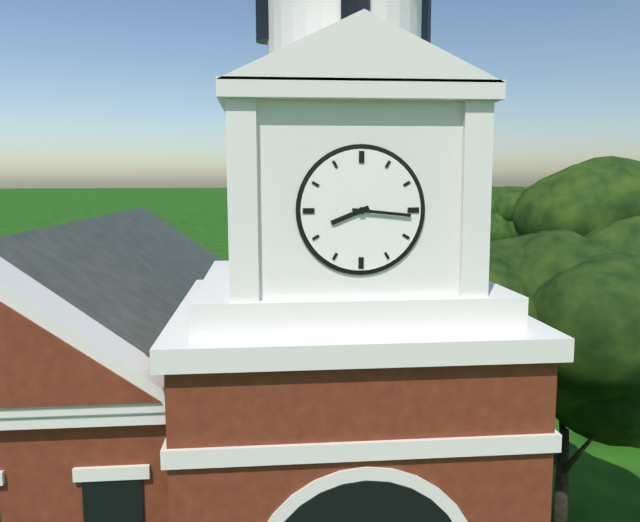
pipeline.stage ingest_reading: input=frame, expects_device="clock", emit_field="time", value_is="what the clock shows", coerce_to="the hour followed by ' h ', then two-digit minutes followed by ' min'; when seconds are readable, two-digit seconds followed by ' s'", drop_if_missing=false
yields 8 h 16 min
